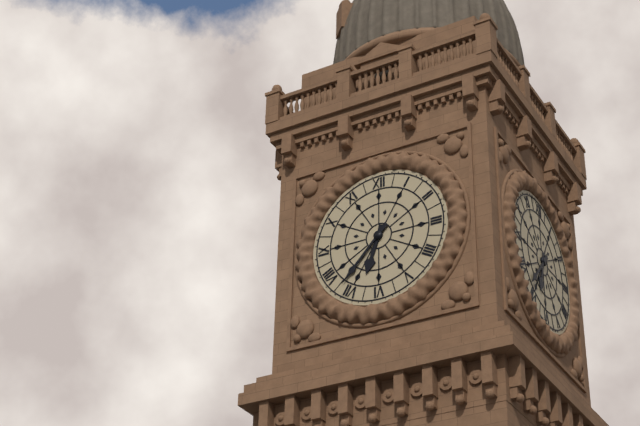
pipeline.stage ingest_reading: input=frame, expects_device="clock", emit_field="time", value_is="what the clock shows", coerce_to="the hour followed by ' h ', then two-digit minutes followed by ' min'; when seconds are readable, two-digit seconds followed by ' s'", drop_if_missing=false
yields 6 h 37 min
